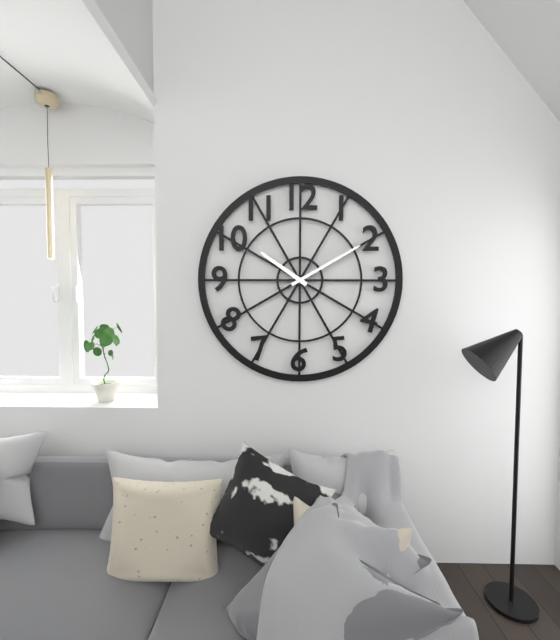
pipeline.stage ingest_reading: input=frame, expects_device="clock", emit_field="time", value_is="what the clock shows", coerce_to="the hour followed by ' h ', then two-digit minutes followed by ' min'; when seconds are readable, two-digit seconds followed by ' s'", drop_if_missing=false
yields 10 h 10 min
